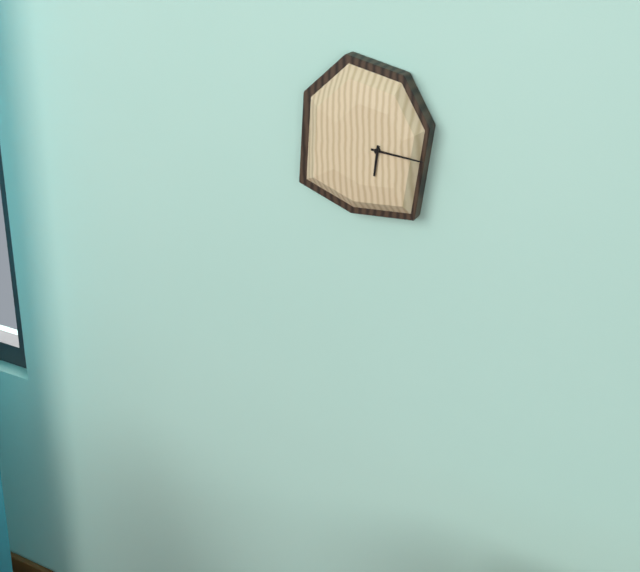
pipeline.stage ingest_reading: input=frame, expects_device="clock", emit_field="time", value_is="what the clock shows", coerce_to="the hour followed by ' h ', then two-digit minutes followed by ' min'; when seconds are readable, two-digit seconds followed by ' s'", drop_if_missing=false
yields 6 h 16 min
